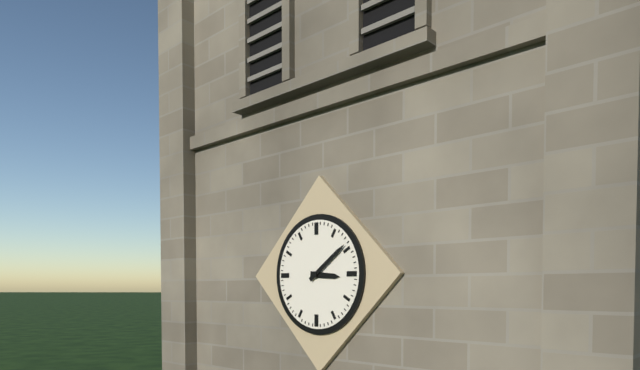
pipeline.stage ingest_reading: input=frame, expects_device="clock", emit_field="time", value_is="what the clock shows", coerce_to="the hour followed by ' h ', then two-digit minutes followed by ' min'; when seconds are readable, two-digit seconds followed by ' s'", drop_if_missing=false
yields 3 h 09 min
